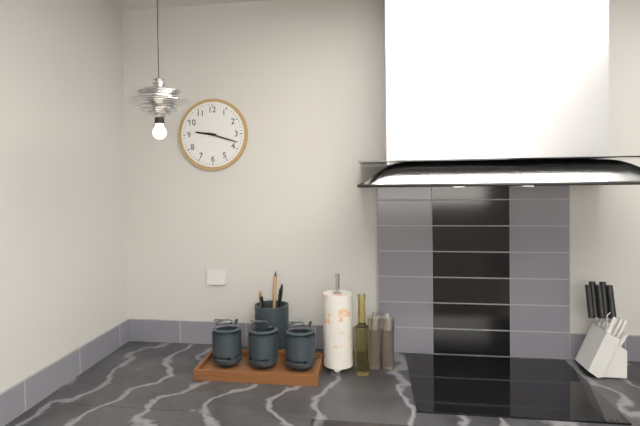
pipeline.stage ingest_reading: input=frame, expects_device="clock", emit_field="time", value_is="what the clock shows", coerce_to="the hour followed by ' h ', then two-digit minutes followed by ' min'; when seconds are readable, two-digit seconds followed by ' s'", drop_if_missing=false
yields 9 h 18 min
